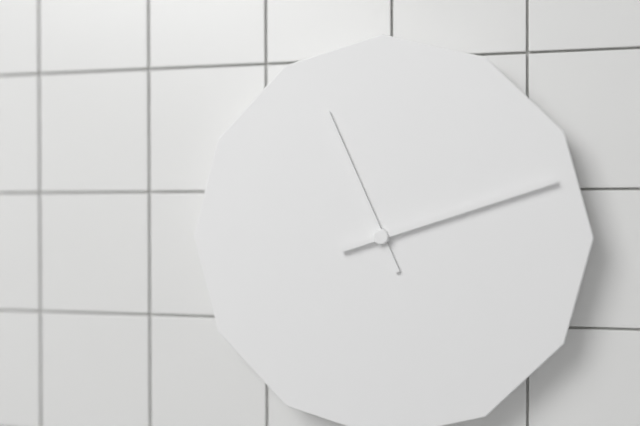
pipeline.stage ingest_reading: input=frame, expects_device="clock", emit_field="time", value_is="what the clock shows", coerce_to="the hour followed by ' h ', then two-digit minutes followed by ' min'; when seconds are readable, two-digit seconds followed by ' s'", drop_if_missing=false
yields 11 h 12 min
